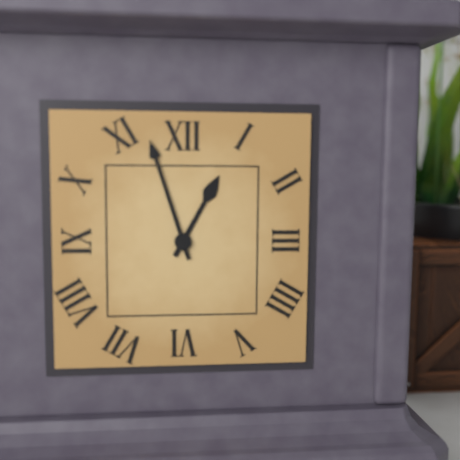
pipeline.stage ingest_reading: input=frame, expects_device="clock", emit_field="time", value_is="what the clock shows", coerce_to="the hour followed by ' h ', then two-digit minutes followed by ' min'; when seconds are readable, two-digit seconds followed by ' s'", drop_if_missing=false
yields 12 h 57 min
